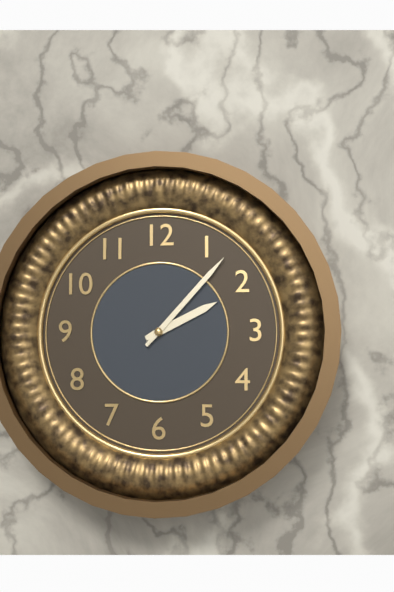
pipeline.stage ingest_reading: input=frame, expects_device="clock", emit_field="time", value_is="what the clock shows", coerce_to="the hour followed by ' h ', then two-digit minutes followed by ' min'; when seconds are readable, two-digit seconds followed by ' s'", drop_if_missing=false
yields 2 h 07 min
